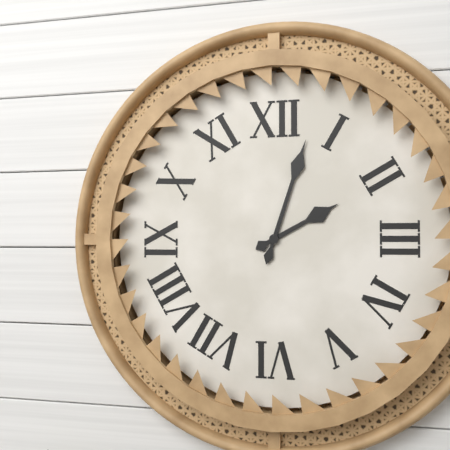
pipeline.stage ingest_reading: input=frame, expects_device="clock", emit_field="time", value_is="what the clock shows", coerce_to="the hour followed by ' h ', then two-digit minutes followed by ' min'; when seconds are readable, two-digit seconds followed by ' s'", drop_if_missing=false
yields 2 h 03 min
